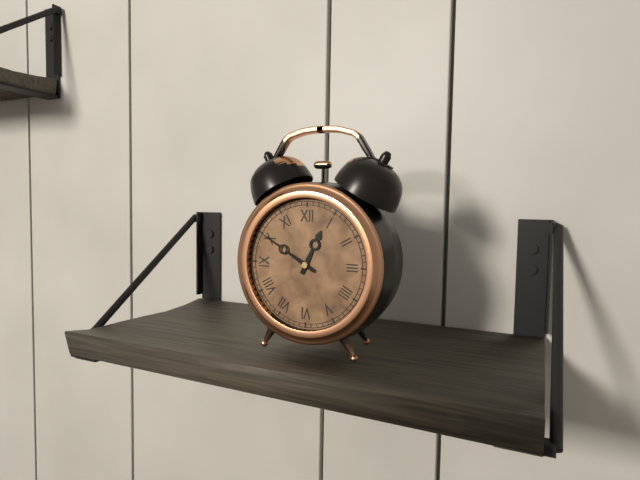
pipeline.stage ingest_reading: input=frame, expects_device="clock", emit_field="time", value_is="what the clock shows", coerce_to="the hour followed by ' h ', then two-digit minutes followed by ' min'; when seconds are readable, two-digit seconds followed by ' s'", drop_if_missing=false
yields 12 h 50 min
